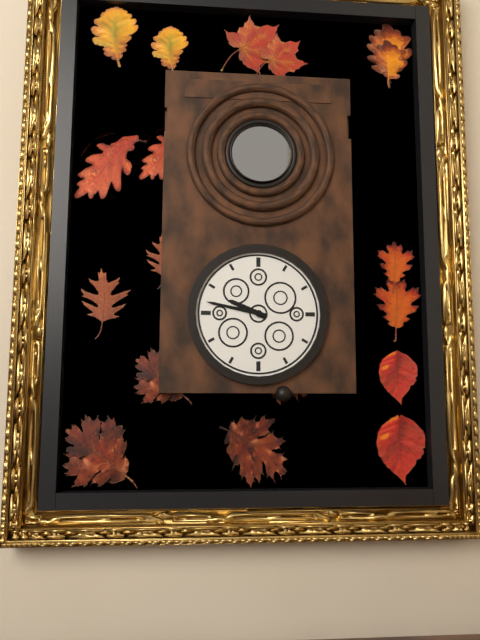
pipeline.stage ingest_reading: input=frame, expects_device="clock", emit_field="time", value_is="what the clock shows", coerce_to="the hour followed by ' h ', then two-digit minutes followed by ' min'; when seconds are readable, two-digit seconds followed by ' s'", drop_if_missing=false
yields 9 h 47 min
